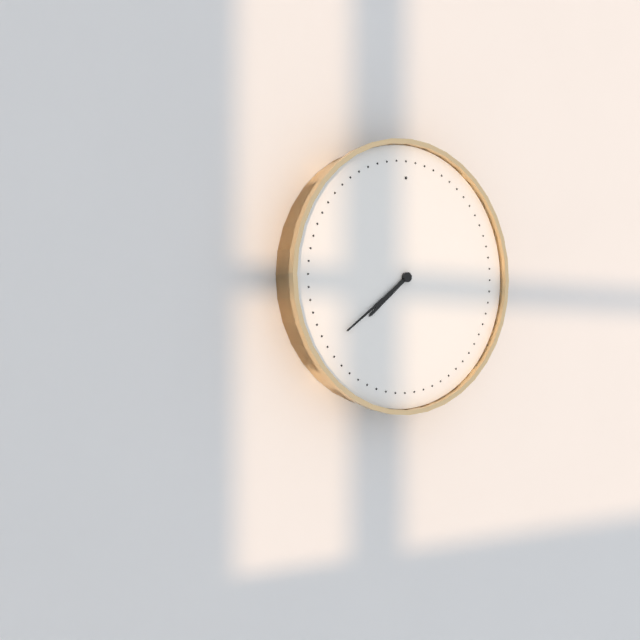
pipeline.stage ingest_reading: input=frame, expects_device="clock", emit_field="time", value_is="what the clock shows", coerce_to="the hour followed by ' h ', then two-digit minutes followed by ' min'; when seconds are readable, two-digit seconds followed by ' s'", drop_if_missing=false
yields 7 h 39 min
